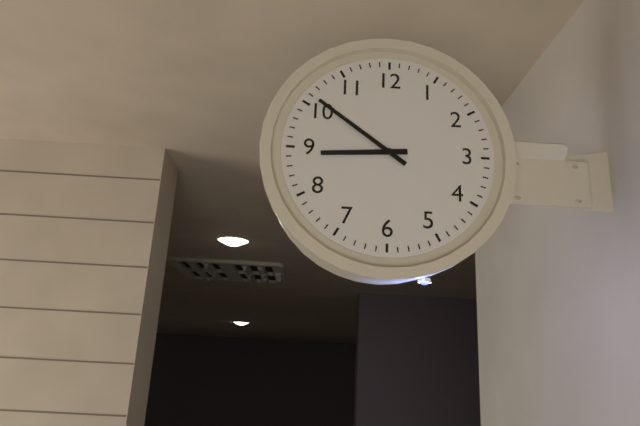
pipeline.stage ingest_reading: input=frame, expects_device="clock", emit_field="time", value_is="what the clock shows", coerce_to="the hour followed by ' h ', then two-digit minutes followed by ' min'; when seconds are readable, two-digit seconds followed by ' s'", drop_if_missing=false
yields 8 h 51 min
